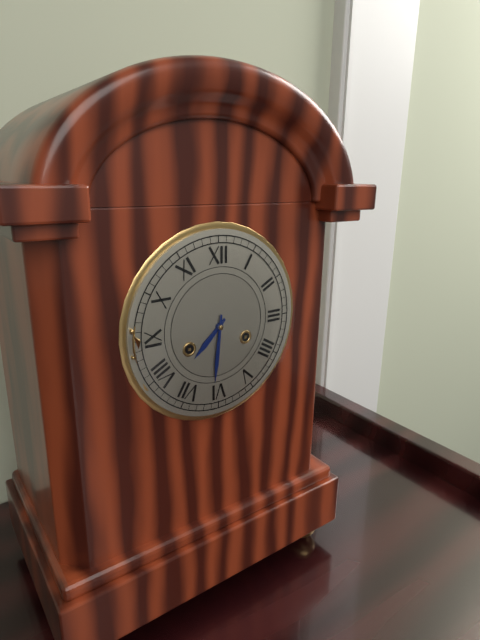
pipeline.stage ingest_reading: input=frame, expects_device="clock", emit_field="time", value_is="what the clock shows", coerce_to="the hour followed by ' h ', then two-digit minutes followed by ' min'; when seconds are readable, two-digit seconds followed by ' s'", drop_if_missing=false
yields 7 h 31 min
